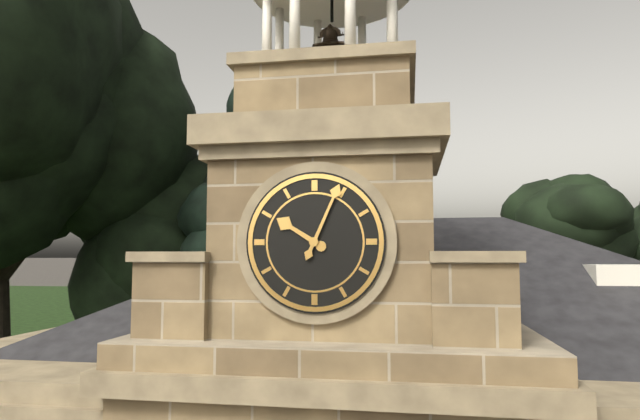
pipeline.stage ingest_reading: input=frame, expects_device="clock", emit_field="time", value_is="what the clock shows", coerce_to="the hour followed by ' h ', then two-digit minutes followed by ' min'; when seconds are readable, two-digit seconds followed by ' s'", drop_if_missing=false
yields 10 h 04 min
